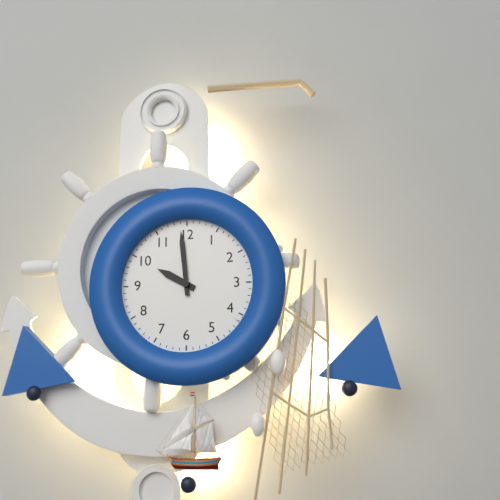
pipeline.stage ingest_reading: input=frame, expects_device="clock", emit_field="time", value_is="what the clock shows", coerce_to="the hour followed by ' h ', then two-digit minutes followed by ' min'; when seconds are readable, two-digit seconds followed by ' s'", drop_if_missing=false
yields 9 h 59 min
